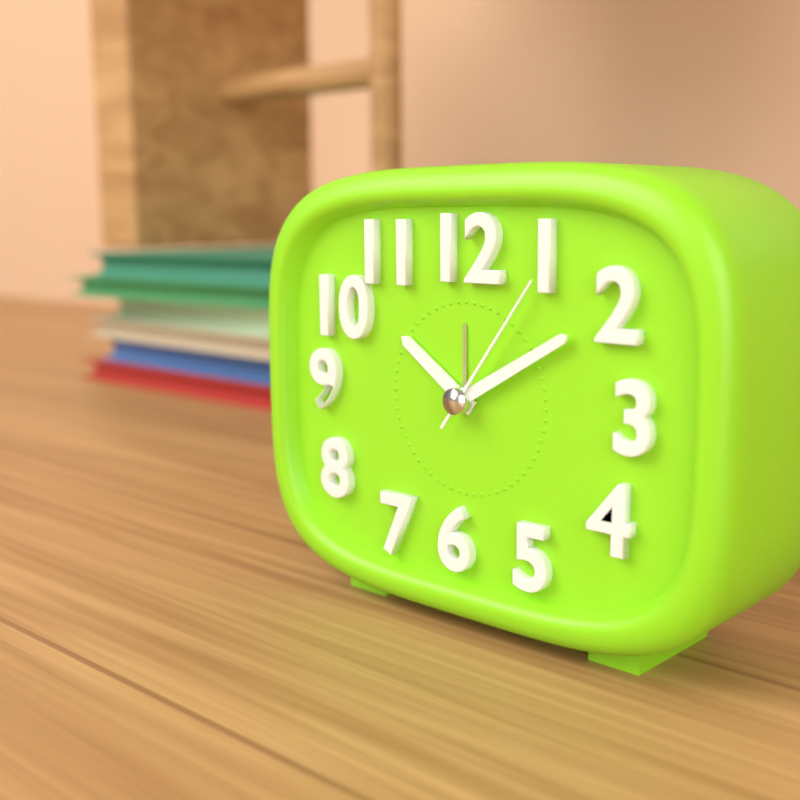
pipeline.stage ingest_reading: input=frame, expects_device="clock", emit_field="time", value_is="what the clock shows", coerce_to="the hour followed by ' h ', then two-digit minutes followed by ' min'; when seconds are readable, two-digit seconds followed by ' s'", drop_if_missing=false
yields 10 h 10 min 06 s
